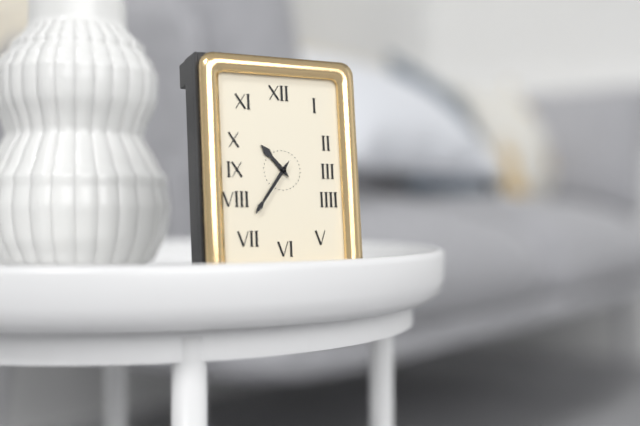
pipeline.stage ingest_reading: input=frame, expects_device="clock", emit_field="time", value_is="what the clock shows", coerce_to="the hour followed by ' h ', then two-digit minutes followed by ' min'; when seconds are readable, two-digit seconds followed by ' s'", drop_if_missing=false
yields 10 h 36 min
